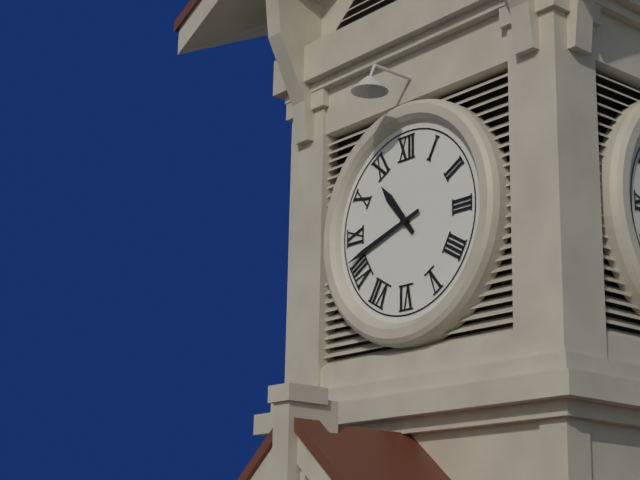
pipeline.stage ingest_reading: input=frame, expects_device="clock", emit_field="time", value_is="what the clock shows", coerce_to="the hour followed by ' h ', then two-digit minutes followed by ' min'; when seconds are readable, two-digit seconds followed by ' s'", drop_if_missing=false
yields 10 h 42 min
